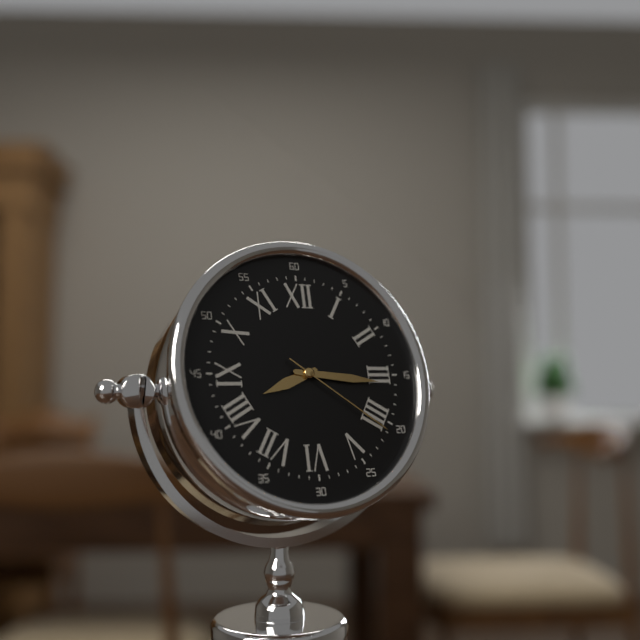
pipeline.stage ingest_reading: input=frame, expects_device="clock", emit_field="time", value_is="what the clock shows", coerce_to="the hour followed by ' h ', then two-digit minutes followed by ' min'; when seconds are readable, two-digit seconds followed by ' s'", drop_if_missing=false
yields 8 h 16 min 21 s
